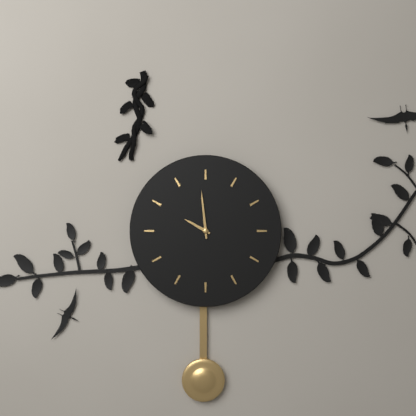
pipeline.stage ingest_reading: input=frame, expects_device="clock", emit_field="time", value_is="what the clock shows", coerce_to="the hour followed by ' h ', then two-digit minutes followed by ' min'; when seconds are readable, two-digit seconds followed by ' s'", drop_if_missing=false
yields 9 h 59 min
